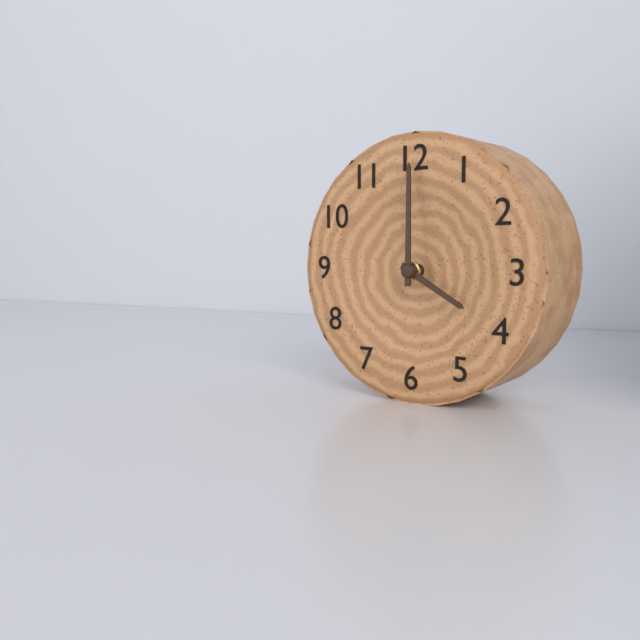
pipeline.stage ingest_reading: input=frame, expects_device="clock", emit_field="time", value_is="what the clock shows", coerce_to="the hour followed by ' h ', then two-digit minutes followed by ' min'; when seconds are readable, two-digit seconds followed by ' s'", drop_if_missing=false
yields 4 h 00 min
